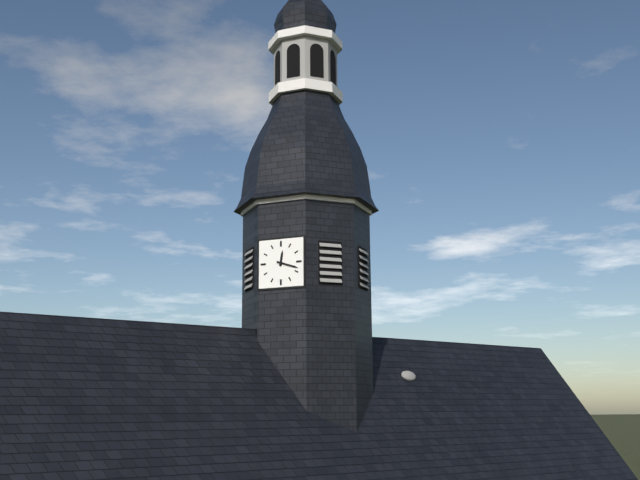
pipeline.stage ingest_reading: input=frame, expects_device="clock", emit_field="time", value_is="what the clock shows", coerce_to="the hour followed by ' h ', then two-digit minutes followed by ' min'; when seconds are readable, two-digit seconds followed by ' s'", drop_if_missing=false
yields 12 h 18 min
